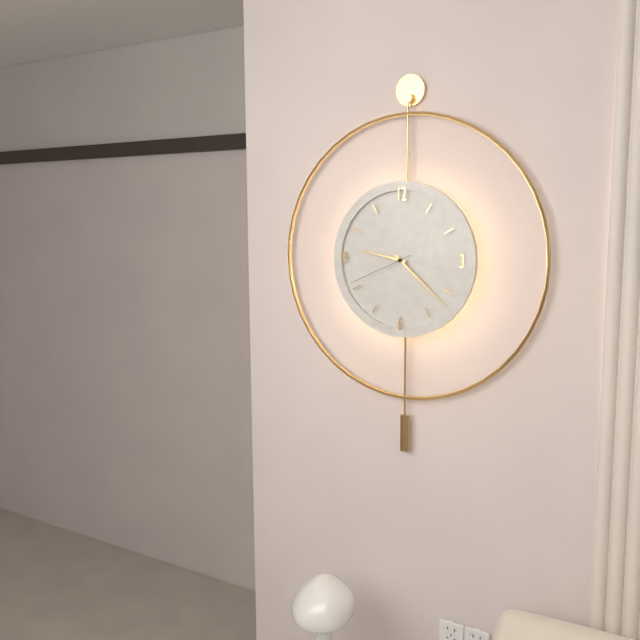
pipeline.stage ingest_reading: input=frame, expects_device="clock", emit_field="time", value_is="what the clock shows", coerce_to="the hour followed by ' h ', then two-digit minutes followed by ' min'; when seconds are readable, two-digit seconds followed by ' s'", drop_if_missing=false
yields 9 h 22 min 41 s
